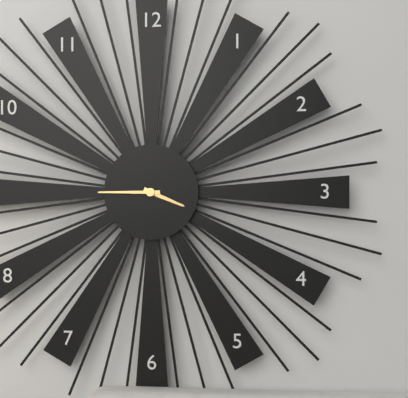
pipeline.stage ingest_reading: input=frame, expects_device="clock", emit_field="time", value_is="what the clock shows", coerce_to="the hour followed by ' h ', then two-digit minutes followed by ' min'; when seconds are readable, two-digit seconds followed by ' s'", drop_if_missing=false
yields 3 h 45 min
